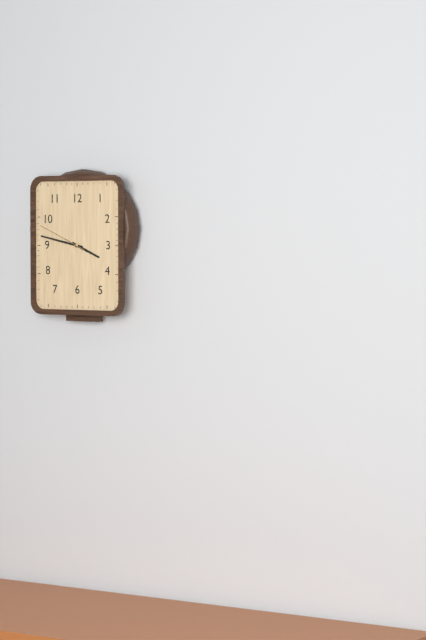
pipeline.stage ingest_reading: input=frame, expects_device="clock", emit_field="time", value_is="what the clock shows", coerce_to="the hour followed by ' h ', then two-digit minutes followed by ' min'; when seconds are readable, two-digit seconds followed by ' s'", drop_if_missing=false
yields 3 h 47 min 49 s
